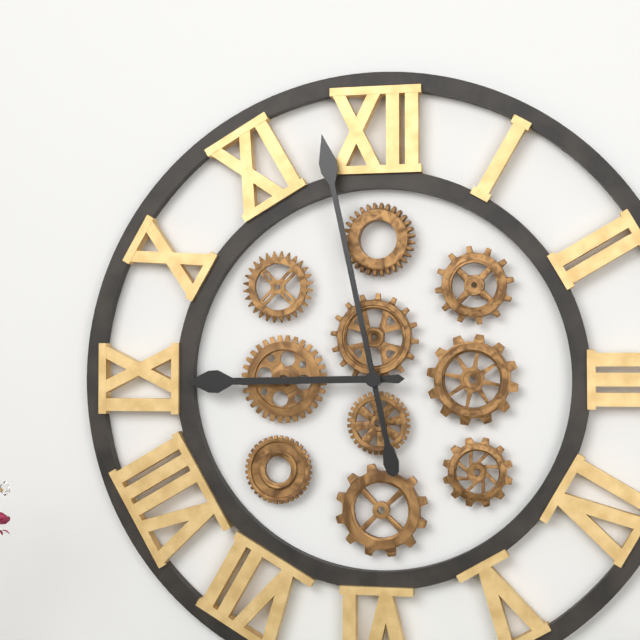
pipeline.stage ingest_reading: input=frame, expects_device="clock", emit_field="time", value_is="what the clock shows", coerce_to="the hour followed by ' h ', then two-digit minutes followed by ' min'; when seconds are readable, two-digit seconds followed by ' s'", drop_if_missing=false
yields 8 h 58 min
